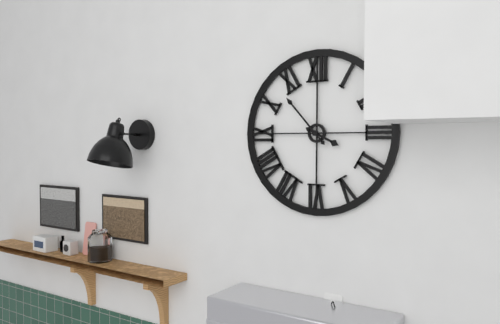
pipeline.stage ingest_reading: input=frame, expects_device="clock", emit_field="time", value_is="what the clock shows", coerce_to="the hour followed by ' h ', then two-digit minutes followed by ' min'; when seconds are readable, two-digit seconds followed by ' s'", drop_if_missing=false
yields 3 h 53 min
